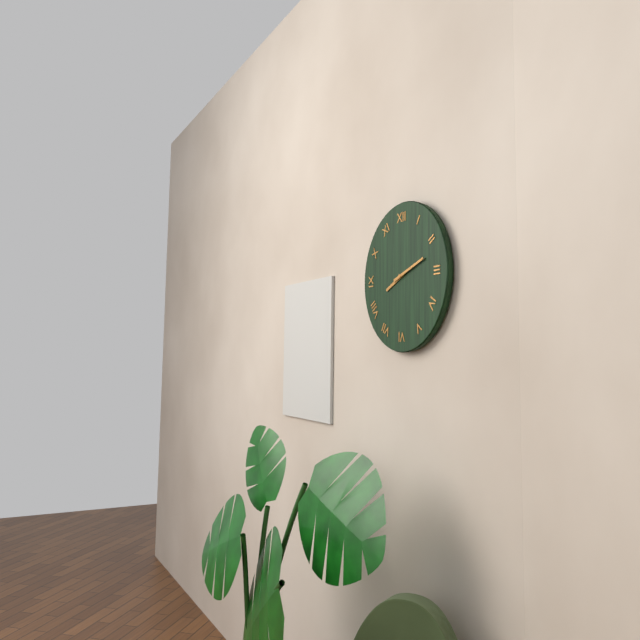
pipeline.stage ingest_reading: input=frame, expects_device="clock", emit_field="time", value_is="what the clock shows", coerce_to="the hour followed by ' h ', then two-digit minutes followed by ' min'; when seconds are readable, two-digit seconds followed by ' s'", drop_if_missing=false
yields 8 h 12 min
